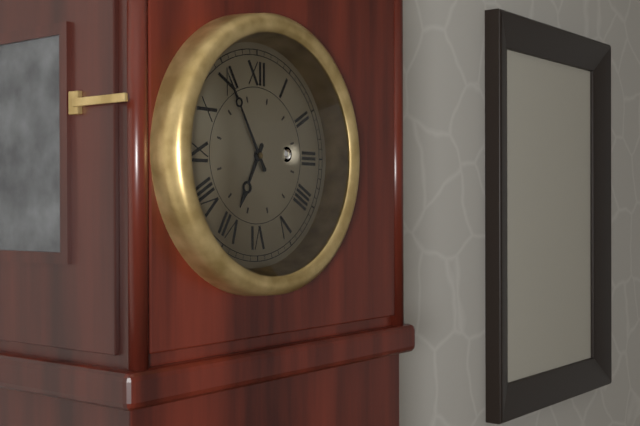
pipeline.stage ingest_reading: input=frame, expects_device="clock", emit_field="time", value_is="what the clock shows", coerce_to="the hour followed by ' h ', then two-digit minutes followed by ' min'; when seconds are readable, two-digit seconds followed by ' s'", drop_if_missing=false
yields 6 h 55 min
